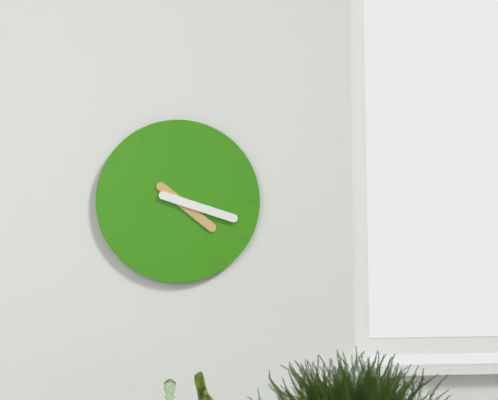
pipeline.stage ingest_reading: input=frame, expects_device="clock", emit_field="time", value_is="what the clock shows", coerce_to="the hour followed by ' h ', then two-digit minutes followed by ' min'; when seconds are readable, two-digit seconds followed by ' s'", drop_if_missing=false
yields 4 h 18 min
